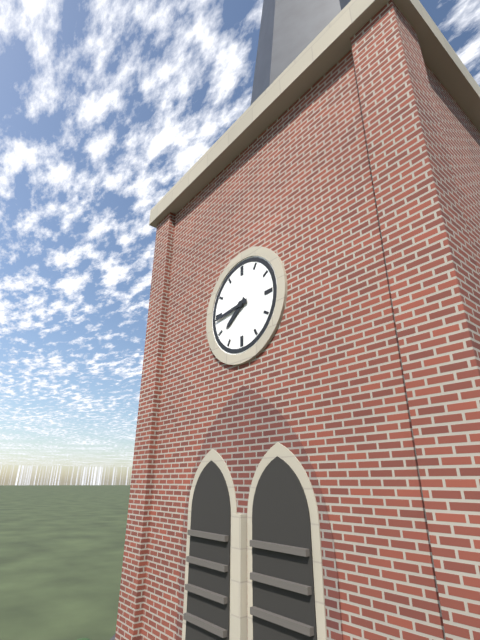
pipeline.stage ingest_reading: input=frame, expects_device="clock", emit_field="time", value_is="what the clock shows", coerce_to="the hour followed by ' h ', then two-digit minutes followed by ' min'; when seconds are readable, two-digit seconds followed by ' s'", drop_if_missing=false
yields 7 h 44 min
